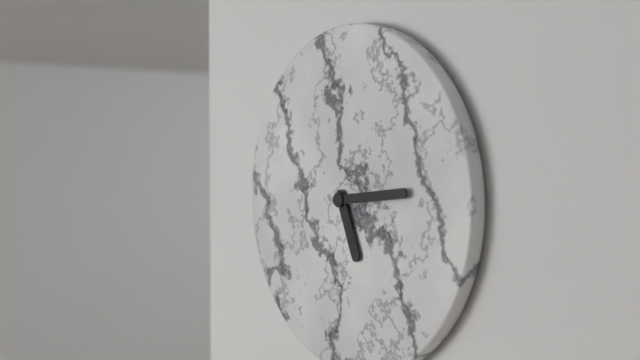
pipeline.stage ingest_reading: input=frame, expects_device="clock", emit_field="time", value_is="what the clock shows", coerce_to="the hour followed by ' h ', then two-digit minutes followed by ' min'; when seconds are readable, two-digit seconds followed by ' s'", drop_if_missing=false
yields 5 h 14 min
